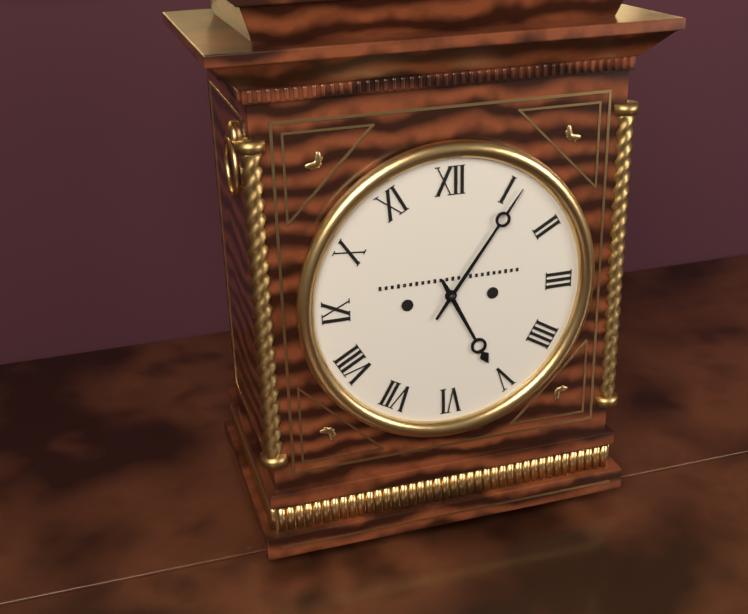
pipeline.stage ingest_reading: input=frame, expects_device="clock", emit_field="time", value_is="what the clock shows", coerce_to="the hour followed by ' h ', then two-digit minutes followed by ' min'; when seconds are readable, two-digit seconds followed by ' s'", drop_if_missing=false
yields 5 h 06 min
